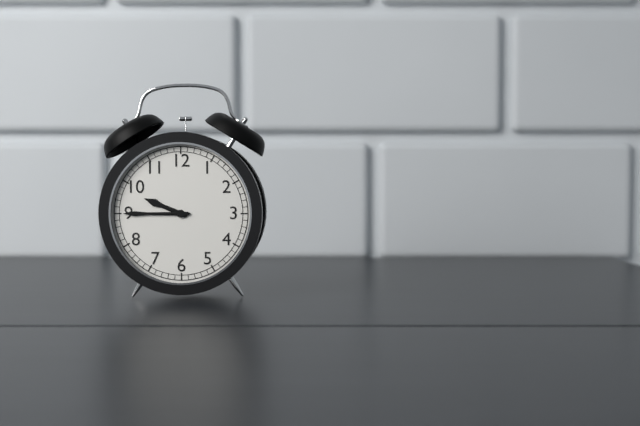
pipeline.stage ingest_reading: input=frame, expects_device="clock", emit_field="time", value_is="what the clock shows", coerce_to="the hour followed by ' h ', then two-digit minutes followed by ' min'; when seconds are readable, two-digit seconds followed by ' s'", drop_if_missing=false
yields 9 h 45 min
